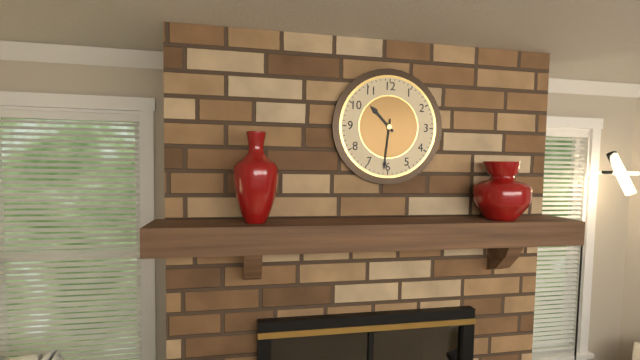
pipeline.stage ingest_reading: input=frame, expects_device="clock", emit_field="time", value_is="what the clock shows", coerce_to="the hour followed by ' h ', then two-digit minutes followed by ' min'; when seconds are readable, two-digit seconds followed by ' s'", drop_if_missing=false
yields 10 h 31 min
